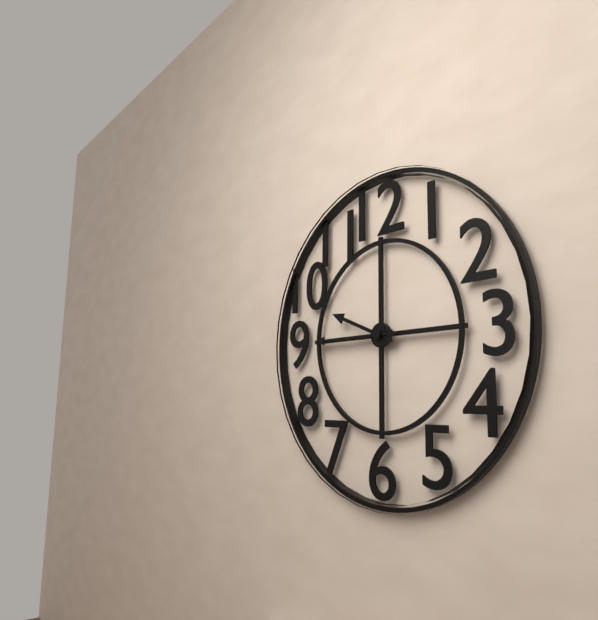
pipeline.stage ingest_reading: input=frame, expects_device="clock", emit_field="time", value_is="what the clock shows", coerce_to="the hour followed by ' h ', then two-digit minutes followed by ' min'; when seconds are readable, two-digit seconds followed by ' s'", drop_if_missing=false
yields 9 h 45 min
